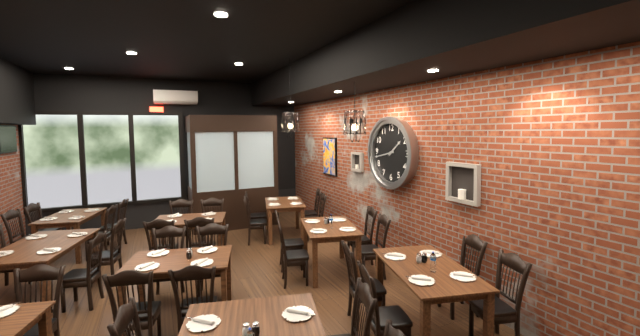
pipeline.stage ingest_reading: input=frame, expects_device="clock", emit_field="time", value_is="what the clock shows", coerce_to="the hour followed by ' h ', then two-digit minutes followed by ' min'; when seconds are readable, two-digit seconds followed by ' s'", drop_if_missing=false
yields 1 h 43 min
